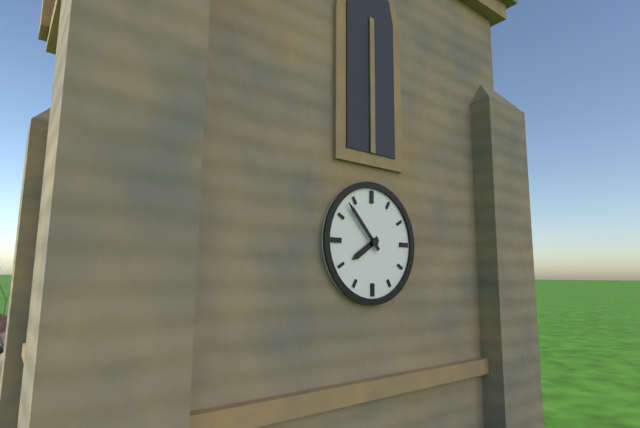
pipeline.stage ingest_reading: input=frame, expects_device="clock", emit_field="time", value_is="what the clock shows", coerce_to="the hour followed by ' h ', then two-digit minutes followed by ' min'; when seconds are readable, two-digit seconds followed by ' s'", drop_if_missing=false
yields 7 h 53 min
